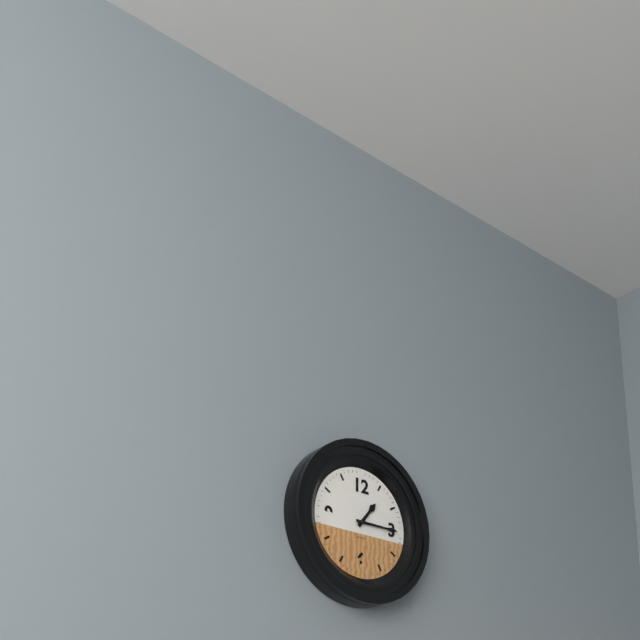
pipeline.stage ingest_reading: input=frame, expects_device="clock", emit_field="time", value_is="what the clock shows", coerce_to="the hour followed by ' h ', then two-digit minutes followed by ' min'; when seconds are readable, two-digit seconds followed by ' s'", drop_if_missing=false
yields 1 h 15 min
